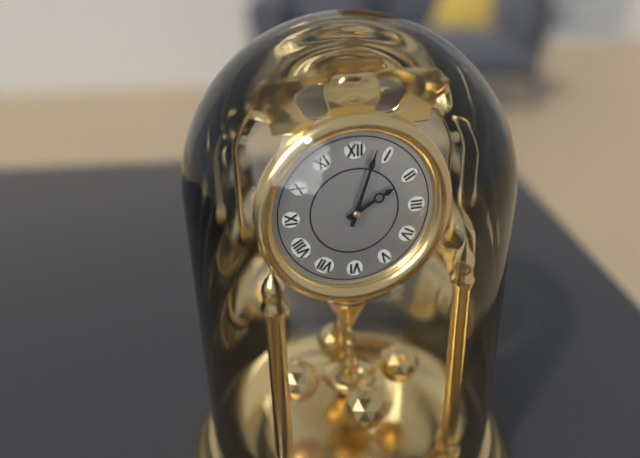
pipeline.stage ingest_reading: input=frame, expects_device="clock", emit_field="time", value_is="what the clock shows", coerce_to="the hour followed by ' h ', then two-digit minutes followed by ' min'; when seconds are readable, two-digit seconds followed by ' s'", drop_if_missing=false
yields 2 h 03 min
